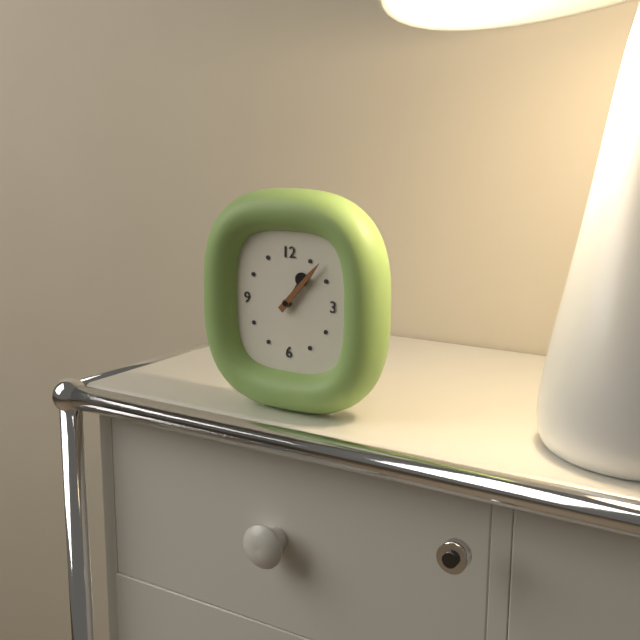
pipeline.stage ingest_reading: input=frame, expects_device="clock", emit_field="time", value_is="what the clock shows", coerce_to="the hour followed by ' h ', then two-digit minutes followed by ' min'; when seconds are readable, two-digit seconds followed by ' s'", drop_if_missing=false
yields 1 h 07 min
